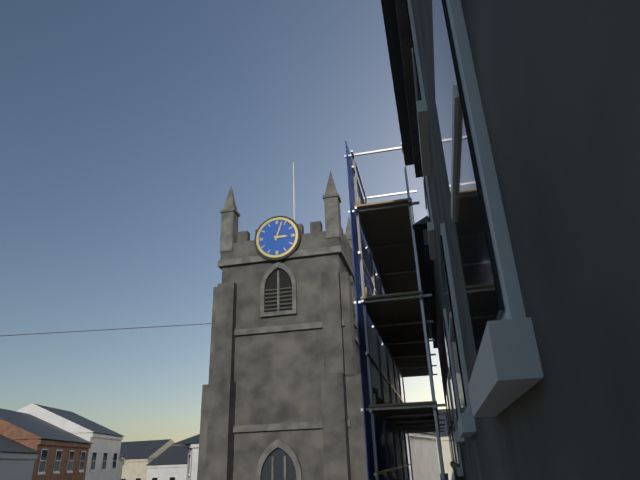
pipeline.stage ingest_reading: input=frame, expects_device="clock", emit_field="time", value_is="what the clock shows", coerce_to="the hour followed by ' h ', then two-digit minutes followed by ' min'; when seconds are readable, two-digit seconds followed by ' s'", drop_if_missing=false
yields 3 h 03 min
